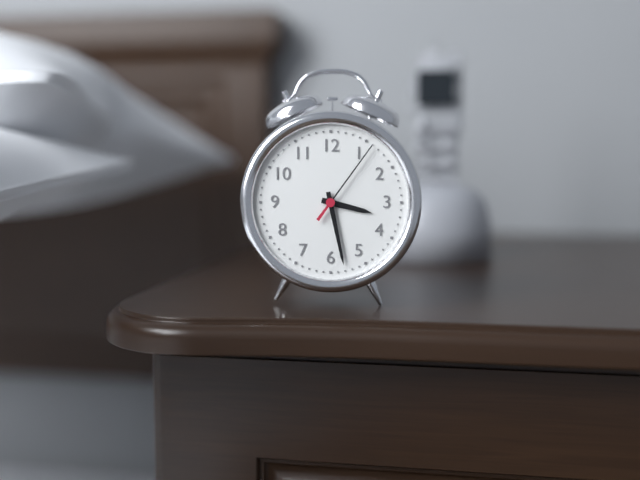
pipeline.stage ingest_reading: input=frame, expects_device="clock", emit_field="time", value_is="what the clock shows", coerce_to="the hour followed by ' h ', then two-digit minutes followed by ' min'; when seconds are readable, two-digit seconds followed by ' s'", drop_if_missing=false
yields 3 h 28 min 06 s
